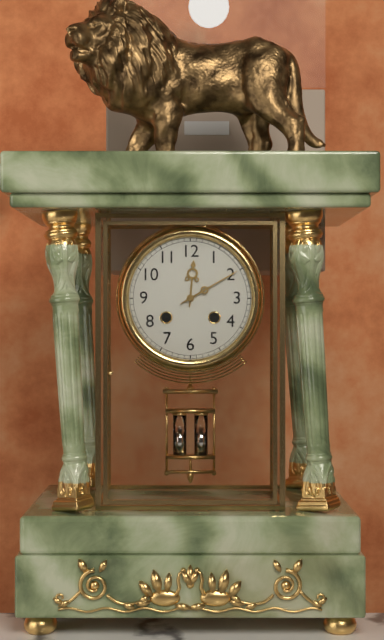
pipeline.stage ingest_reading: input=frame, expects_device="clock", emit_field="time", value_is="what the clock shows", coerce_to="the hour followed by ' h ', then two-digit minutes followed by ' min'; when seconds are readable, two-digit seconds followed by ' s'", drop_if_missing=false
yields 12 h 10 min
